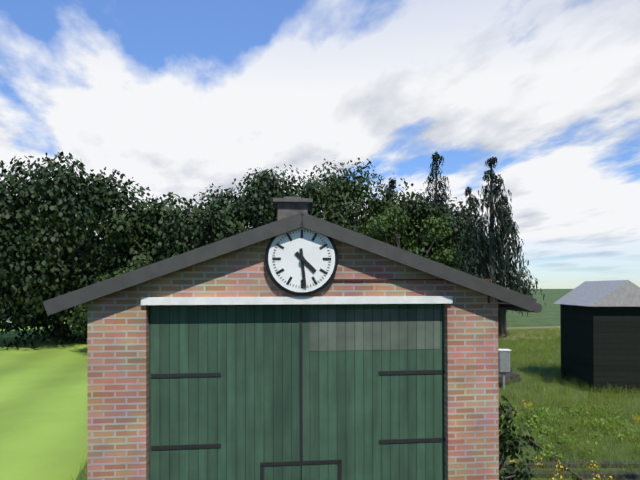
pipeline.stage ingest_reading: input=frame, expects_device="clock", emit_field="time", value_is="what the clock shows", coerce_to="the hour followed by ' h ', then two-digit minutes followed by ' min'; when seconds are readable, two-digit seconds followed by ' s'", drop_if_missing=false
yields 4 h 29 min
